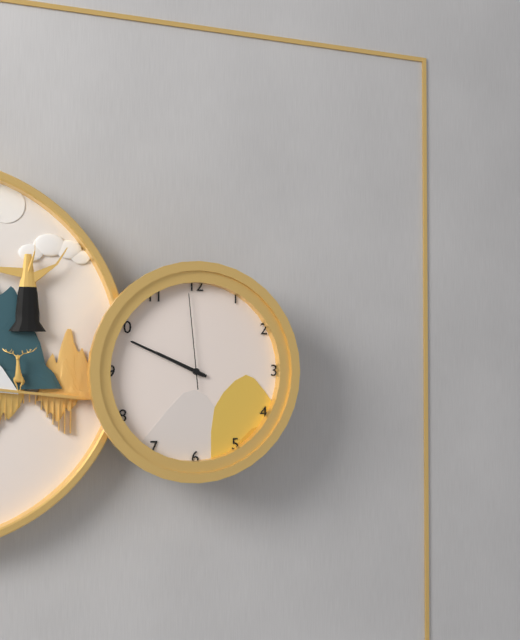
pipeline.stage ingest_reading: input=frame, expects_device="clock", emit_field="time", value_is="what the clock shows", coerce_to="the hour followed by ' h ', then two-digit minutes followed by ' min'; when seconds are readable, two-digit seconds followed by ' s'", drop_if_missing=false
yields 9 h 49 min 59 s
